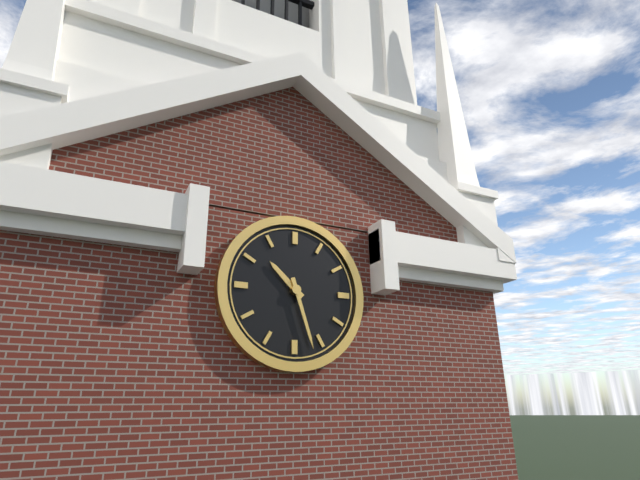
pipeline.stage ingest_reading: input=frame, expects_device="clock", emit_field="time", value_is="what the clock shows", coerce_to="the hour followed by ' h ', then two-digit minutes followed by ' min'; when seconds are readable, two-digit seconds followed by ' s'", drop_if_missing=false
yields 10 h 27 min
